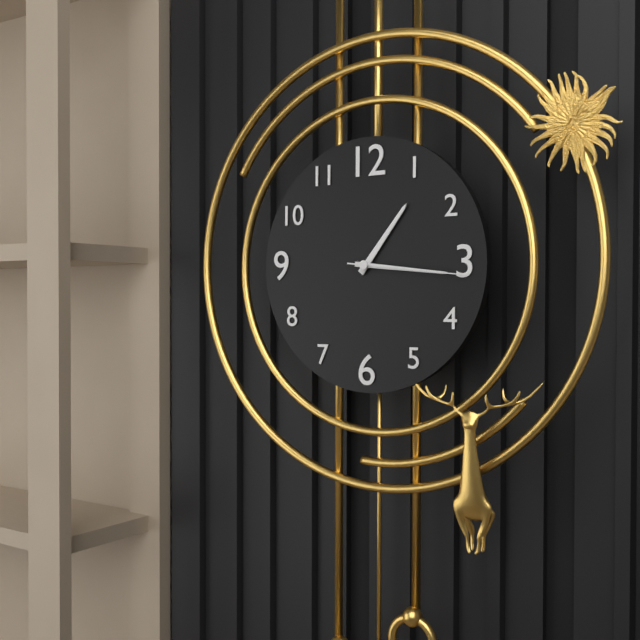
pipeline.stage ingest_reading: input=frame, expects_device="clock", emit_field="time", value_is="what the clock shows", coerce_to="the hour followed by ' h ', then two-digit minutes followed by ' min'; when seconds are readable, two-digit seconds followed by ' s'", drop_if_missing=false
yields 1 h 16 min 16 s
